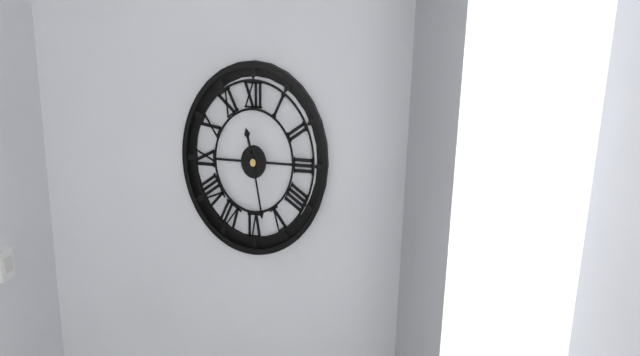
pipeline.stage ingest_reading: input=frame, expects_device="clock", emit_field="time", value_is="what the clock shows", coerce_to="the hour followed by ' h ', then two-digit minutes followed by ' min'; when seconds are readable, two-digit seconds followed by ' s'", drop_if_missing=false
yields 11 h 28 min
